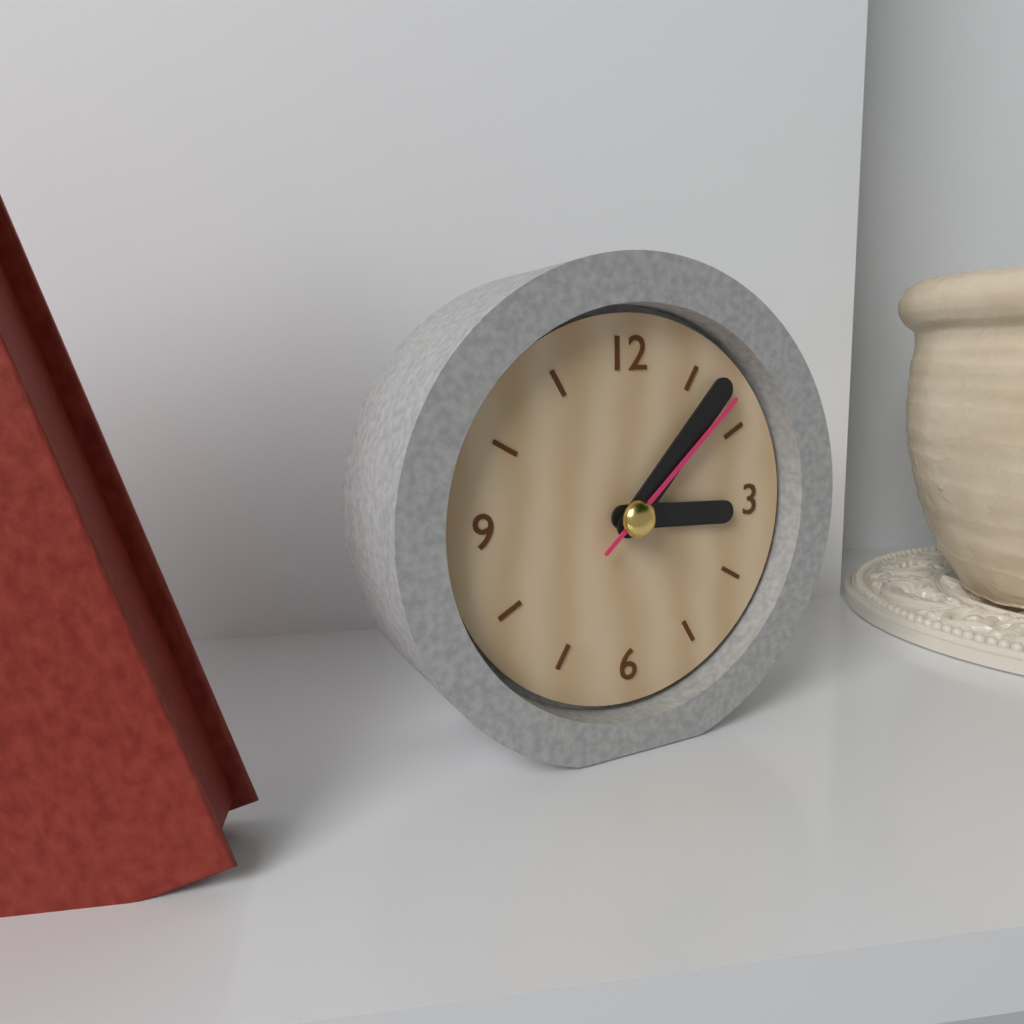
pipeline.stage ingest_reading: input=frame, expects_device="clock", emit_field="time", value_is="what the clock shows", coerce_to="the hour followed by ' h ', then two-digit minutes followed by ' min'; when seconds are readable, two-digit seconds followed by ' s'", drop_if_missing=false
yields 3 h 07 min 08 s
